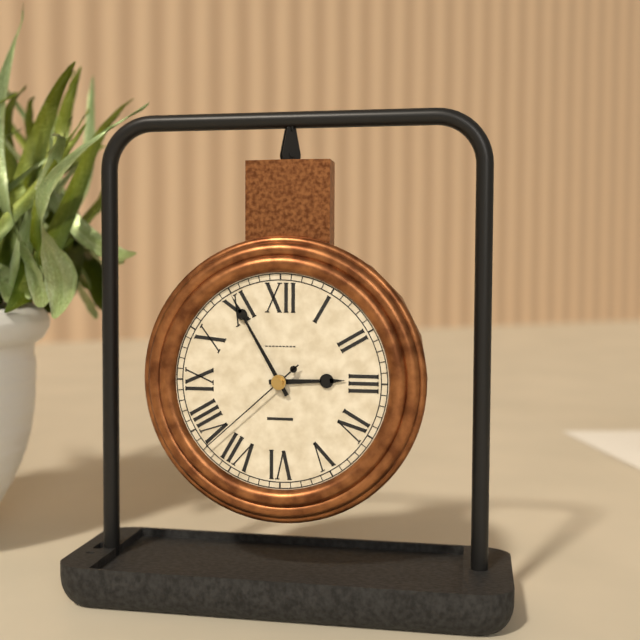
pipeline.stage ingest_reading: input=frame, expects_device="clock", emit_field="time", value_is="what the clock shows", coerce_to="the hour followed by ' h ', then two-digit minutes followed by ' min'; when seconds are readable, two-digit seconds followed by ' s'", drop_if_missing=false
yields 2 h 55 min 38 s
